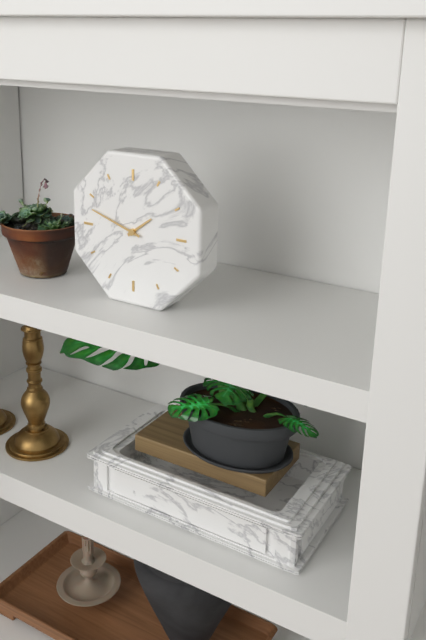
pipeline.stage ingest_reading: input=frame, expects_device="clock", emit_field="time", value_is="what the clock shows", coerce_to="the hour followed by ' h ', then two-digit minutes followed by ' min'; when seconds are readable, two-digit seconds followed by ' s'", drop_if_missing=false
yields 1 h 48 min
